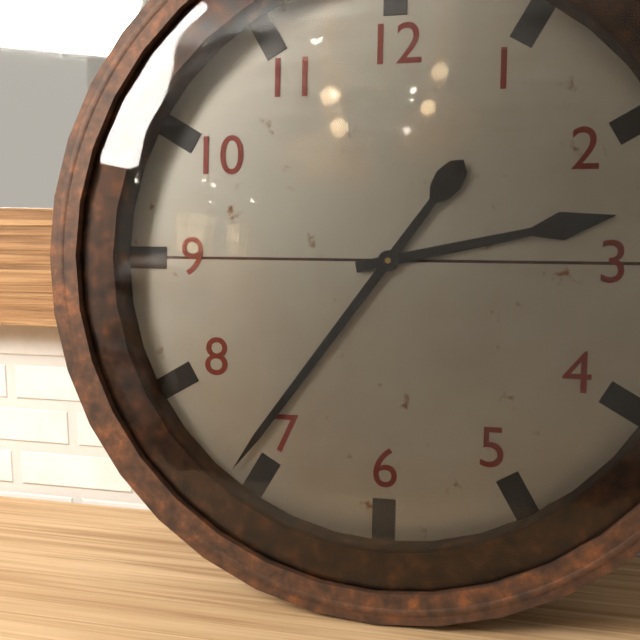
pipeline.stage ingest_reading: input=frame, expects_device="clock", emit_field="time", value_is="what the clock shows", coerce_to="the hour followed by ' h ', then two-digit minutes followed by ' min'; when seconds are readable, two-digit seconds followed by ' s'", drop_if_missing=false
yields 2 h 36 min
